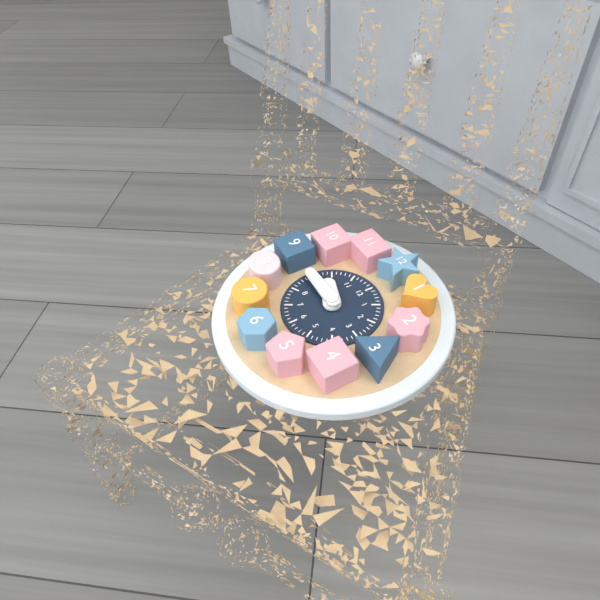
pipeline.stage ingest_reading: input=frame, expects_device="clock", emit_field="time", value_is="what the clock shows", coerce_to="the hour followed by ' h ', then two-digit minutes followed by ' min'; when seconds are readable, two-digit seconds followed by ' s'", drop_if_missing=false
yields 9 h 45 min
